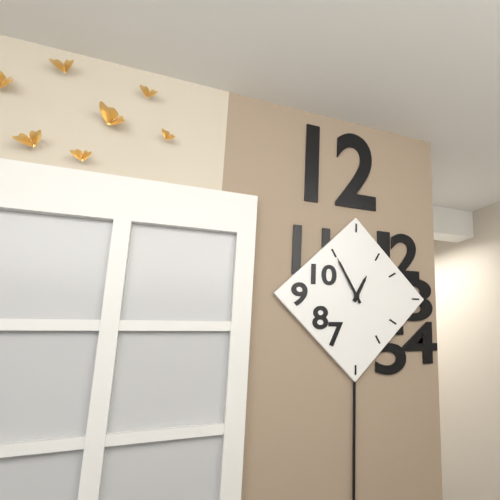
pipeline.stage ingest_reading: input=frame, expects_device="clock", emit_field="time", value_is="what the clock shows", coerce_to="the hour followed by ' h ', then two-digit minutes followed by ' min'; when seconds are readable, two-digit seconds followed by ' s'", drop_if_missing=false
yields 12 h 55 min
